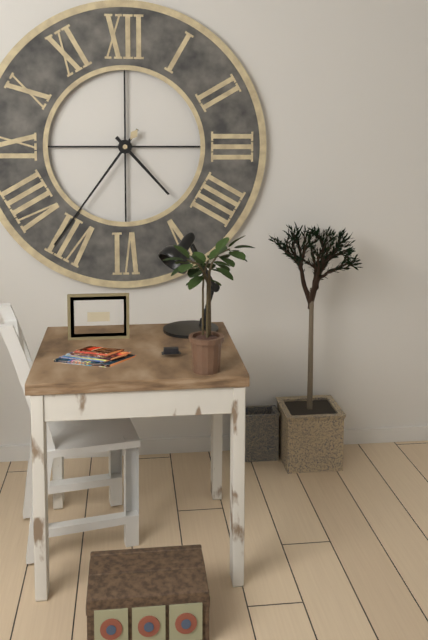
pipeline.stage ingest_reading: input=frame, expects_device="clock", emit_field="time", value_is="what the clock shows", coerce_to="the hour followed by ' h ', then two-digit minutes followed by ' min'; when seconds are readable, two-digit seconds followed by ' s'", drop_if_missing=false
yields 4 h 36 min
